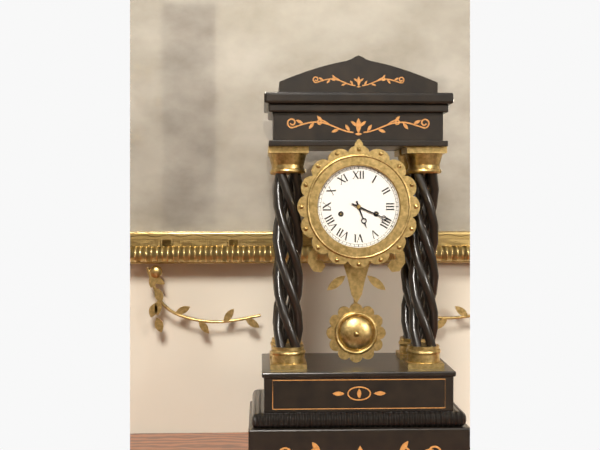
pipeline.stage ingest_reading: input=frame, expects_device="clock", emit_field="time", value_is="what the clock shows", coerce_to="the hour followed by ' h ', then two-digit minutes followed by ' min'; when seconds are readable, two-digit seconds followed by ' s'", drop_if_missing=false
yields 5 h 19 min
